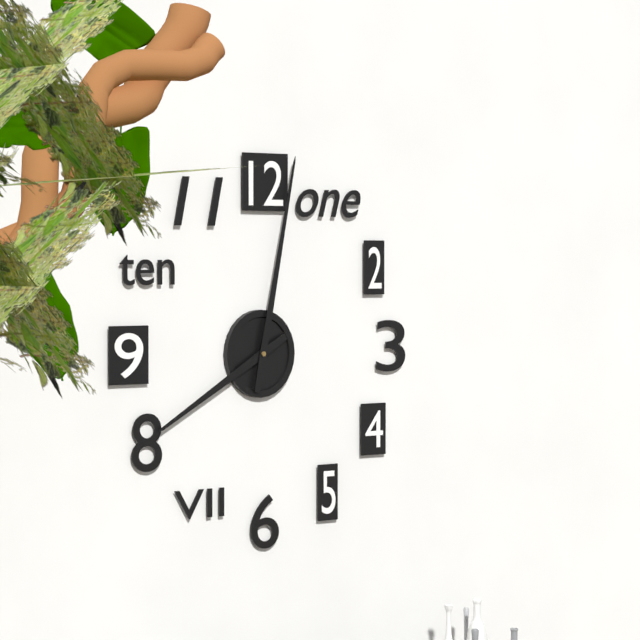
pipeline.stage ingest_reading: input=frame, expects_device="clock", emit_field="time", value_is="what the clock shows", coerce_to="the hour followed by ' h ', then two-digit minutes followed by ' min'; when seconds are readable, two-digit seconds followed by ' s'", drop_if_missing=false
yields 8 h 02 min
